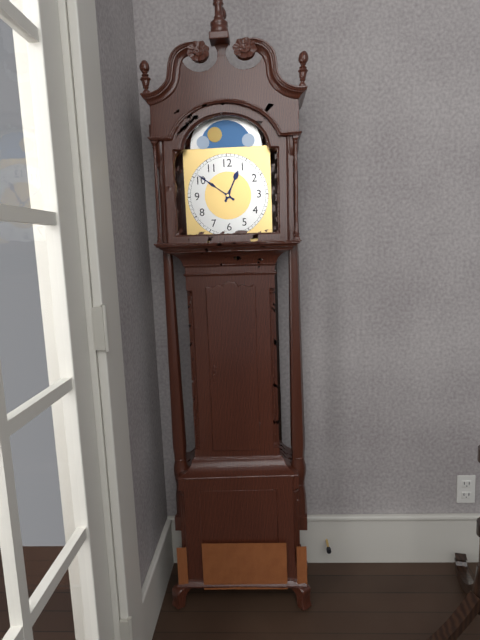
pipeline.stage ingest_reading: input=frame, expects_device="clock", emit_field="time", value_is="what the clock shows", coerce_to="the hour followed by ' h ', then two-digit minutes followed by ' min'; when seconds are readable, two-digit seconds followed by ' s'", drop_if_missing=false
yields 12 h 51 min
